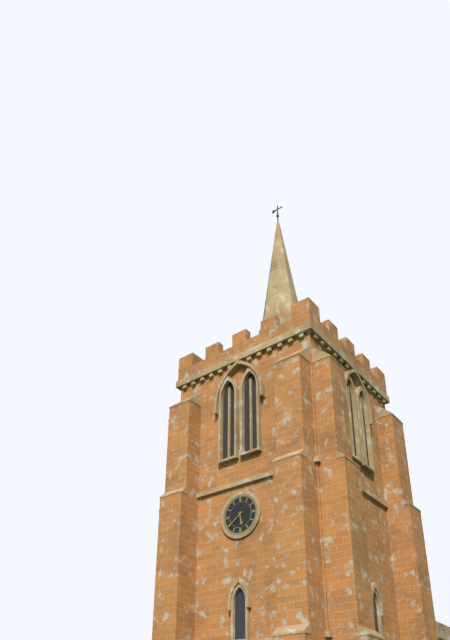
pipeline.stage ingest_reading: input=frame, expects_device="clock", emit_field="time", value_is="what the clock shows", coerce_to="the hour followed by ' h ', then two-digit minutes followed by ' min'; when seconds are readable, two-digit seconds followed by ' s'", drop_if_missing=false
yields 5 h 39 min
